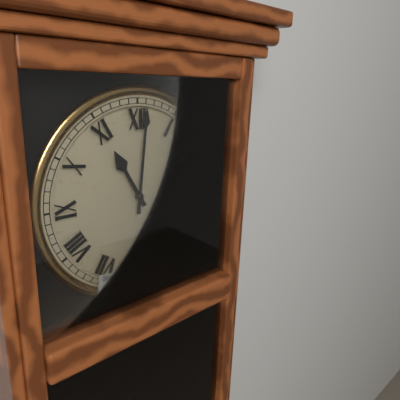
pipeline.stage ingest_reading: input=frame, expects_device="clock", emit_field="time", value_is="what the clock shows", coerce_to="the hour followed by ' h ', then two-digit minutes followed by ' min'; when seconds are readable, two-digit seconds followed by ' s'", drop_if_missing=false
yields 11 h 01 min
